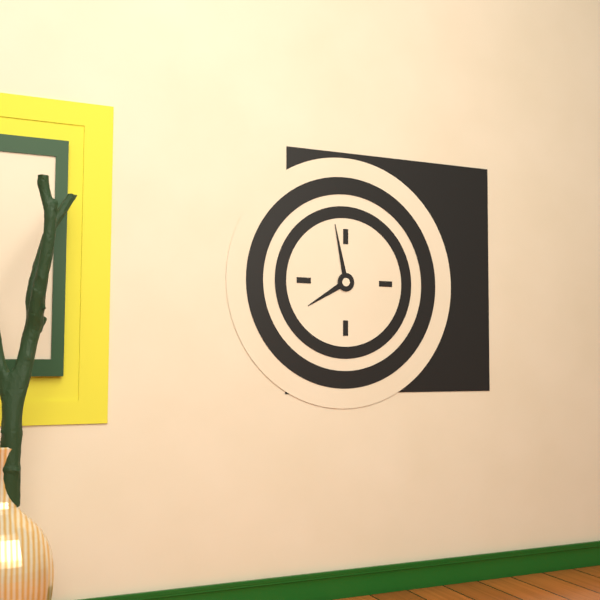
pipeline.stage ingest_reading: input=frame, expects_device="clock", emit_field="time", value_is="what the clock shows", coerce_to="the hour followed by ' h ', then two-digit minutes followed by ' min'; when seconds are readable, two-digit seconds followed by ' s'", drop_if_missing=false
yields 7 h 58 min
